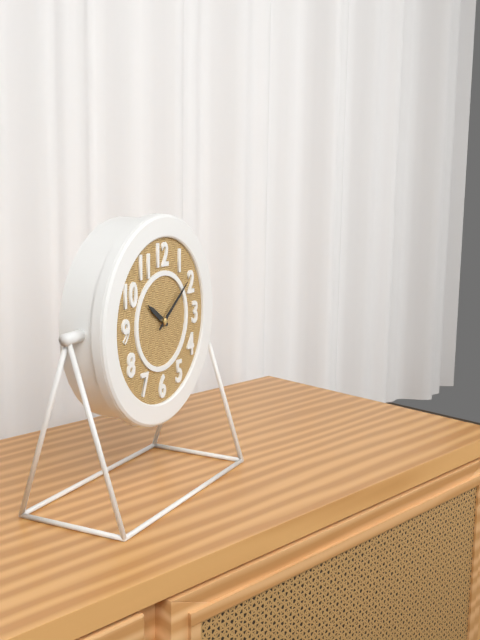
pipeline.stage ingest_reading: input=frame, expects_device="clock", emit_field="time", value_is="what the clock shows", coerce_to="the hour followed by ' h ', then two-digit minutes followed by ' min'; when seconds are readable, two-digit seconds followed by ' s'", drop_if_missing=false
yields 10 h 09 min
